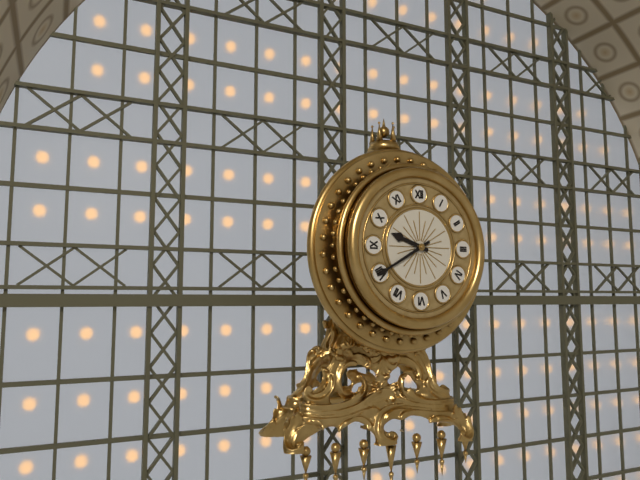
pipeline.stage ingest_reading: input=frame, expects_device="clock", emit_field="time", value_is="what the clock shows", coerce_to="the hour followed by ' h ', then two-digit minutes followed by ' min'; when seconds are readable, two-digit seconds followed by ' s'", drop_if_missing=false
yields 9 h 40 min
